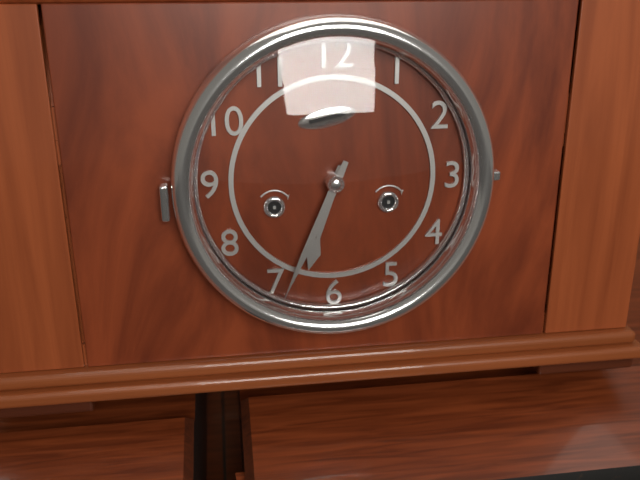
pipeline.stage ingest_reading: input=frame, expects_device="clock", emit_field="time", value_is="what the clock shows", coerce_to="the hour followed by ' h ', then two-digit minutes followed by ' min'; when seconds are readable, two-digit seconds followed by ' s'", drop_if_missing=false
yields 6 h 34 min
